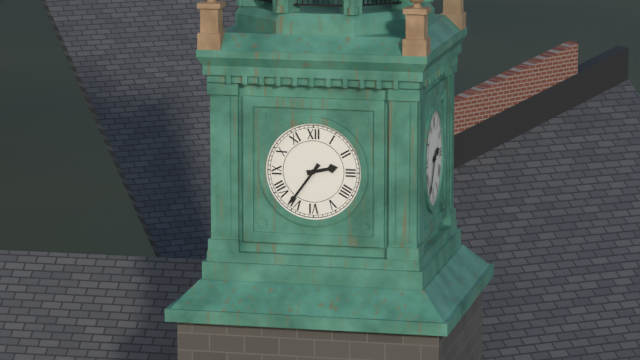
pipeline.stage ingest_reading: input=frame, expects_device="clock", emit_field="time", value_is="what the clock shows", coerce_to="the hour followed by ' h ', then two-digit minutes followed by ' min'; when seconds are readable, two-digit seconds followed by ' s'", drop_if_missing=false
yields 2 h 36 min
